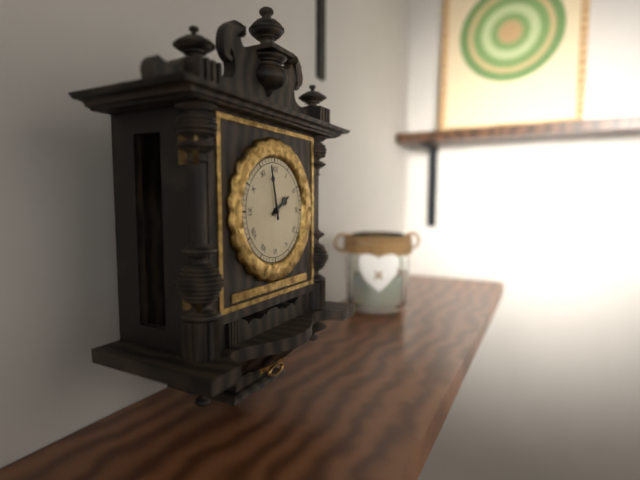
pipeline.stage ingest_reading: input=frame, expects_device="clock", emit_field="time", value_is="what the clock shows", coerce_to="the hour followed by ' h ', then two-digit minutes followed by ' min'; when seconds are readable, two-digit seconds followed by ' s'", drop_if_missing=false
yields 1 h 58 min
